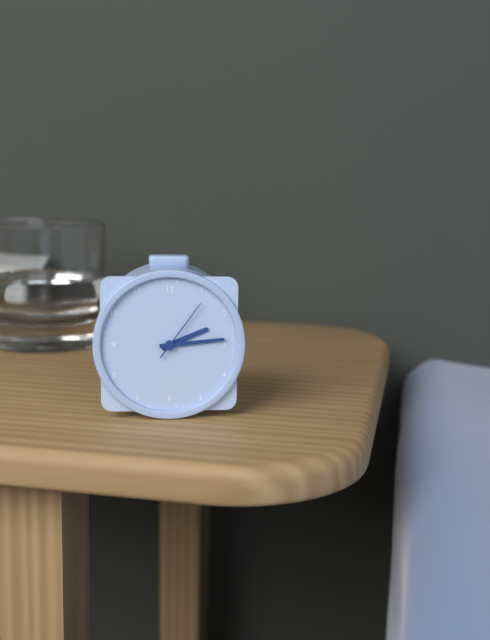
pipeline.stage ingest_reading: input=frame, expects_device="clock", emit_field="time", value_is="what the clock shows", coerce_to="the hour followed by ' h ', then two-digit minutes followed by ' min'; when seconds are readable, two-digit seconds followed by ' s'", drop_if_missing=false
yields 2 h 14 min 06 s
